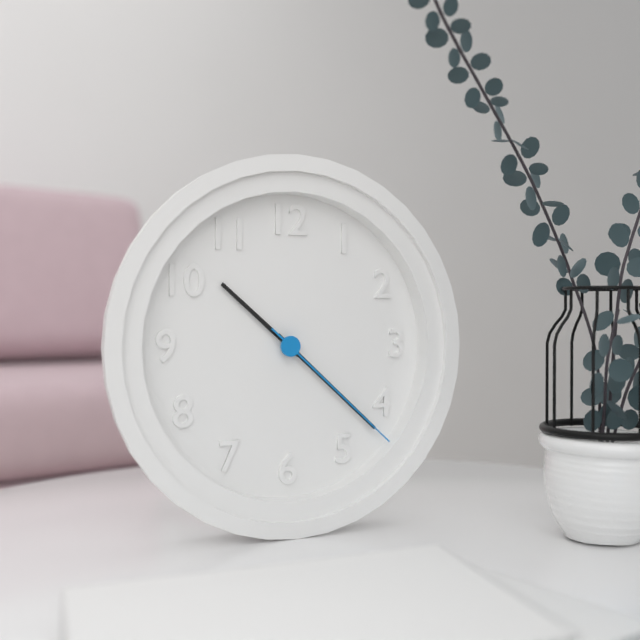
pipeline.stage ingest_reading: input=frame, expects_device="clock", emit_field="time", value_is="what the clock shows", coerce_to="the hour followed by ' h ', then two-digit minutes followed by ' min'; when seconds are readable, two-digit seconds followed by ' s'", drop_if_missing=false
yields 10 h 22 min 22 s
